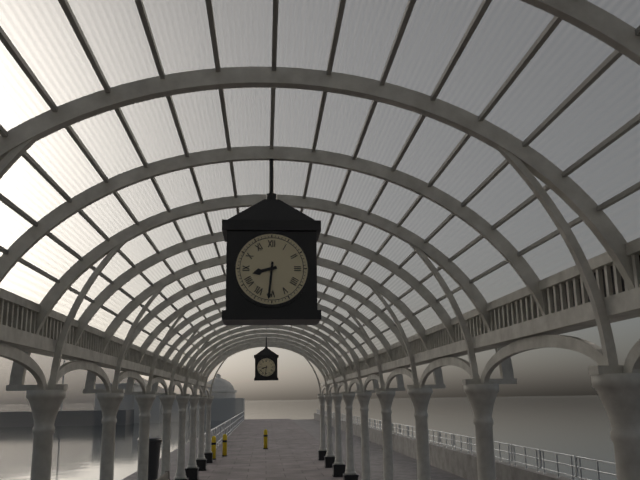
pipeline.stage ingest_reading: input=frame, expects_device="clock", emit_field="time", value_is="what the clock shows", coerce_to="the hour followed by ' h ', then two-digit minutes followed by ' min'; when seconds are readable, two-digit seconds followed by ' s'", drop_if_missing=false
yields 8 h 31 min
